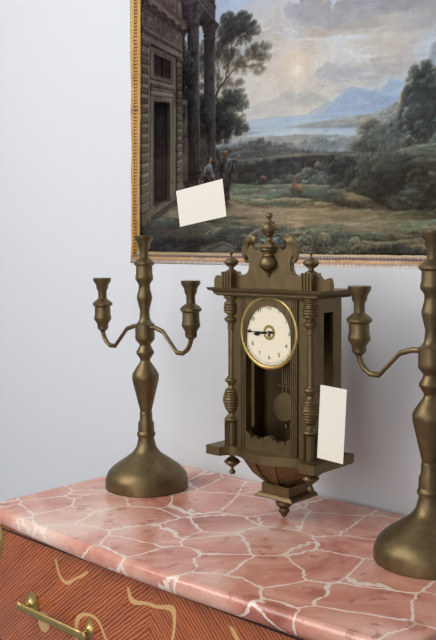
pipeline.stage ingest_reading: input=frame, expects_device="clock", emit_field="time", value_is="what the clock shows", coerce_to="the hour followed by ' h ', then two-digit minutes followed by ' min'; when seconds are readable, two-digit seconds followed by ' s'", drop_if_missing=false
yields 8 h 45 min
